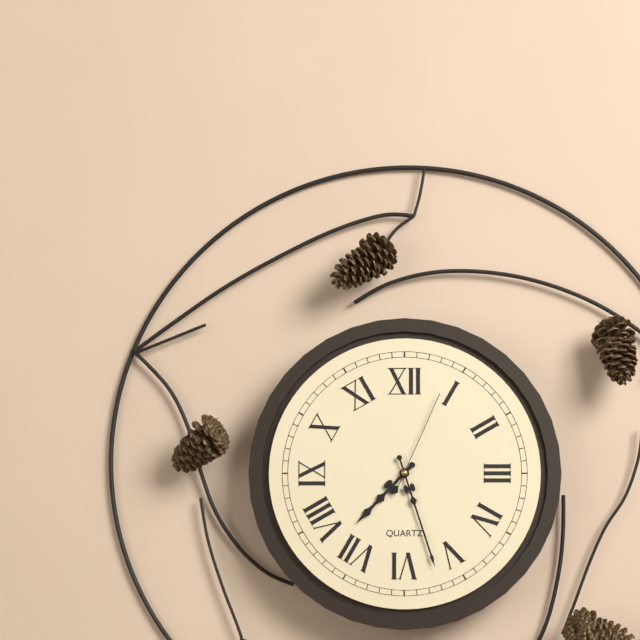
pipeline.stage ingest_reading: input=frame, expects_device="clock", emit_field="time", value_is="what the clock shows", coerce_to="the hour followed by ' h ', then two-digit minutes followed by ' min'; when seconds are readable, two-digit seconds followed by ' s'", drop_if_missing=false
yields 7 h 27 min 04 s
